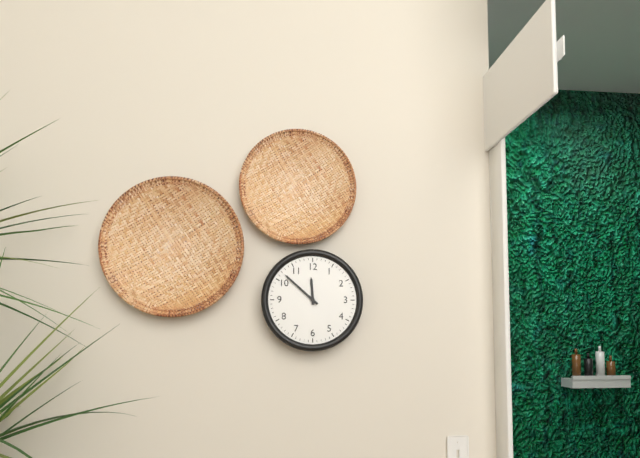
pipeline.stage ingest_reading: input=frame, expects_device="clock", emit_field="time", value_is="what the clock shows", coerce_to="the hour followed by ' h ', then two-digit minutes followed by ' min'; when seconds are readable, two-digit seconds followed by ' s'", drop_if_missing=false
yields 11 h 52 min
